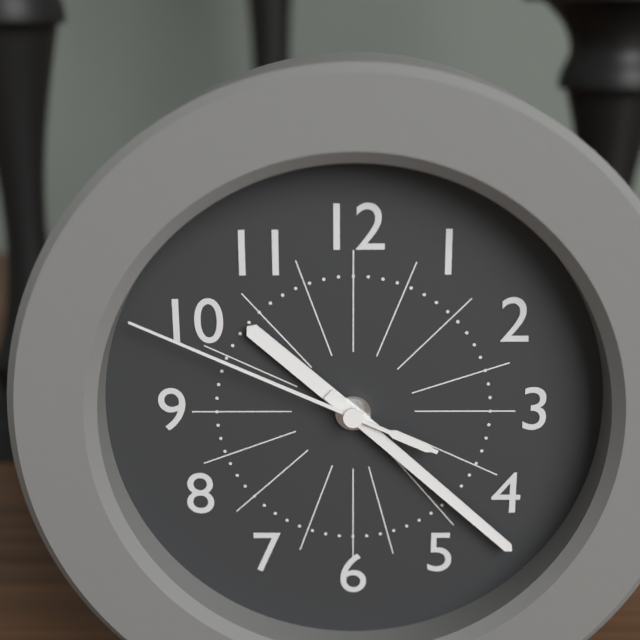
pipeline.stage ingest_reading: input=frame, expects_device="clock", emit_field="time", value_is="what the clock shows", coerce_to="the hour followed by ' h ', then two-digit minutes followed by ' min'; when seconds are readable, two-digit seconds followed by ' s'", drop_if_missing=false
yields 10 h 22 min 49 s
